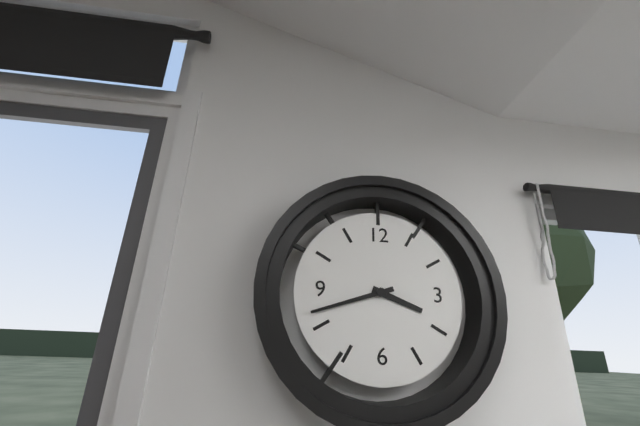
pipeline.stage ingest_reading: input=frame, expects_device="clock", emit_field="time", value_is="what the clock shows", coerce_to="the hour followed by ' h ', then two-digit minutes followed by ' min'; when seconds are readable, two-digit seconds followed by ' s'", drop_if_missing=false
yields 3 h 42 min
